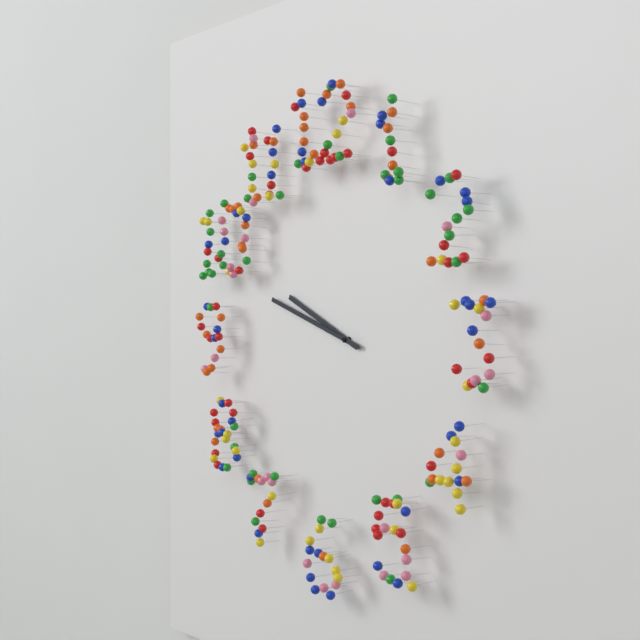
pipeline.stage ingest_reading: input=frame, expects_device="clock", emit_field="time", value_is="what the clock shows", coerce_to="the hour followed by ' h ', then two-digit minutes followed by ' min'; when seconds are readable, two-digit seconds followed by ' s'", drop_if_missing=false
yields 9 h 48 min
